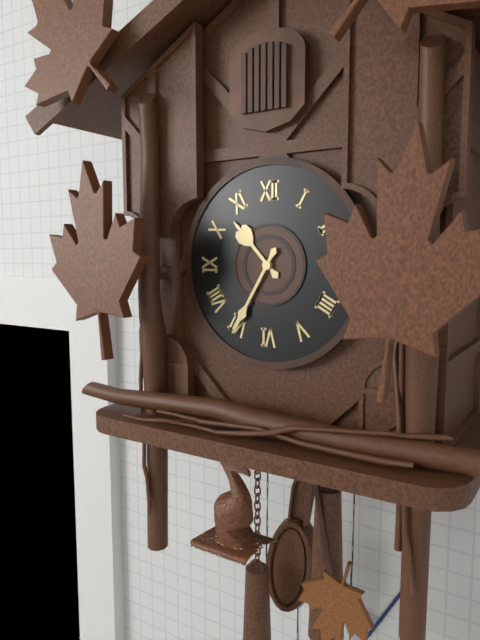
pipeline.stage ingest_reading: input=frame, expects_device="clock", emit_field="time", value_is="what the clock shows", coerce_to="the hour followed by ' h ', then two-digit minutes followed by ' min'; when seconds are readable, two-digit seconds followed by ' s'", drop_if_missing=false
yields 10 h 35 min
